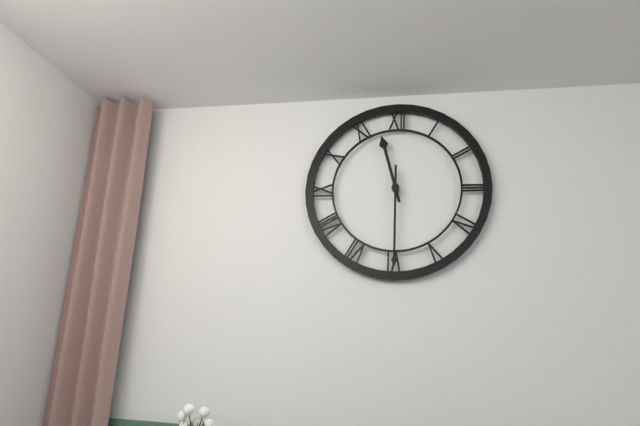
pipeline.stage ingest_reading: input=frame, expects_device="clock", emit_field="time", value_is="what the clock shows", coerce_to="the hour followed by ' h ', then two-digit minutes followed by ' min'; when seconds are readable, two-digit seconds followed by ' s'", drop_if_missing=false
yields 11 h 30 min
